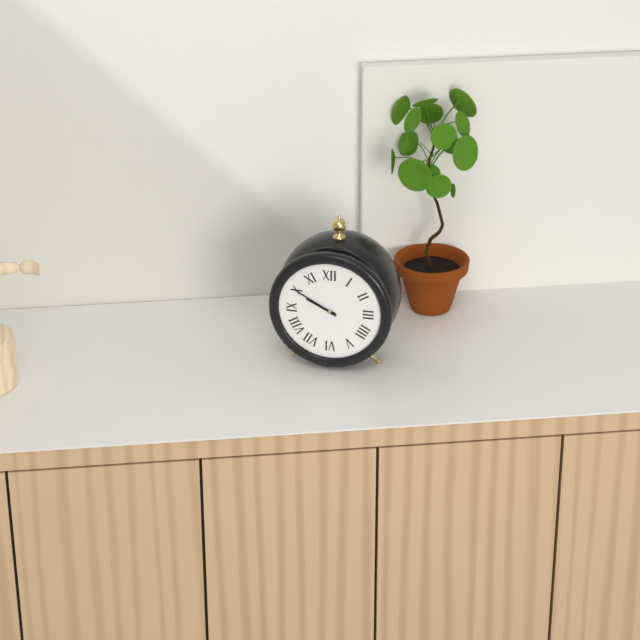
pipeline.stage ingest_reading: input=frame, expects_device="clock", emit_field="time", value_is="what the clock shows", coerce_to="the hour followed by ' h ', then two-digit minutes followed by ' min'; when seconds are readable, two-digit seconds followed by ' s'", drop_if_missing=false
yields 9 h 50 min
